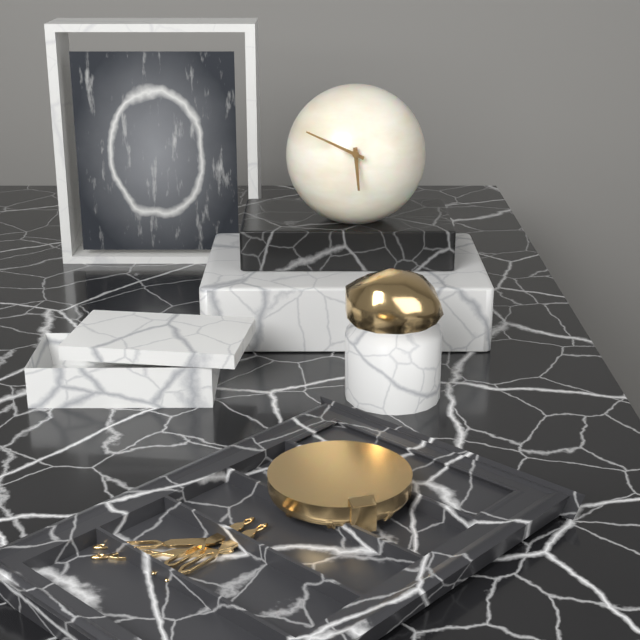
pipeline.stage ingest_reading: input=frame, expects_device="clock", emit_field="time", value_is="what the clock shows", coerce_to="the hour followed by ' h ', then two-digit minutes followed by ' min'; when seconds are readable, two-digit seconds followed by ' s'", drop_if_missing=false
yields 5 h 49 min
